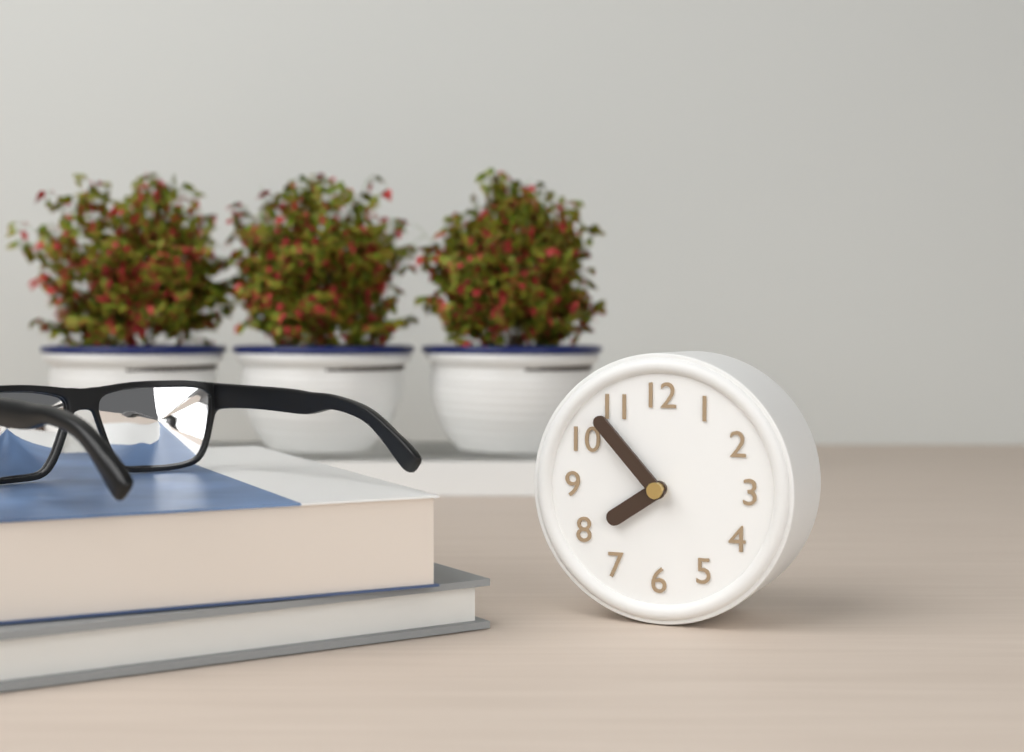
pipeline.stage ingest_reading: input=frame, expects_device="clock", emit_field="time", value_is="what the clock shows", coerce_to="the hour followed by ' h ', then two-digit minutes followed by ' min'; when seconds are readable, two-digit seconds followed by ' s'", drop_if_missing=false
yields 7 h 53 min
